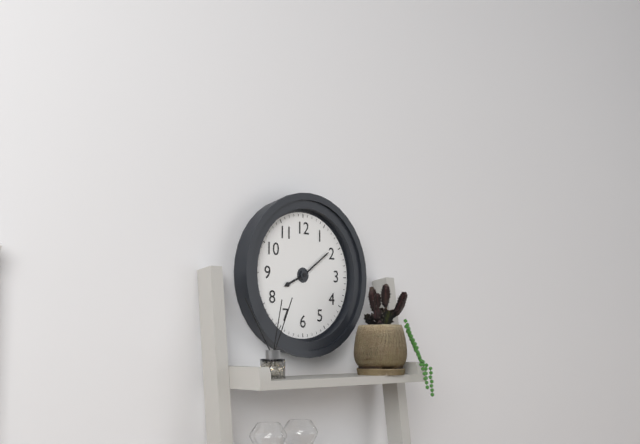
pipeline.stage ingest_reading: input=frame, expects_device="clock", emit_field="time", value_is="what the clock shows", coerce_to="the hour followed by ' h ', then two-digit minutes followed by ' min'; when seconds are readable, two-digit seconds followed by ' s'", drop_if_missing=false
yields 8 h 09 min
